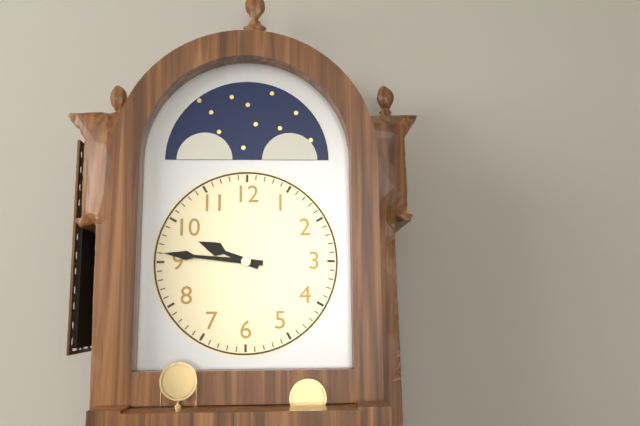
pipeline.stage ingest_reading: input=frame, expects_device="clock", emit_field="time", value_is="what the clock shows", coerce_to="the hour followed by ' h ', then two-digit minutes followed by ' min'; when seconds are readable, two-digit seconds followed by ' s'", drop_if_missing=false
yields 9 h 46 min
